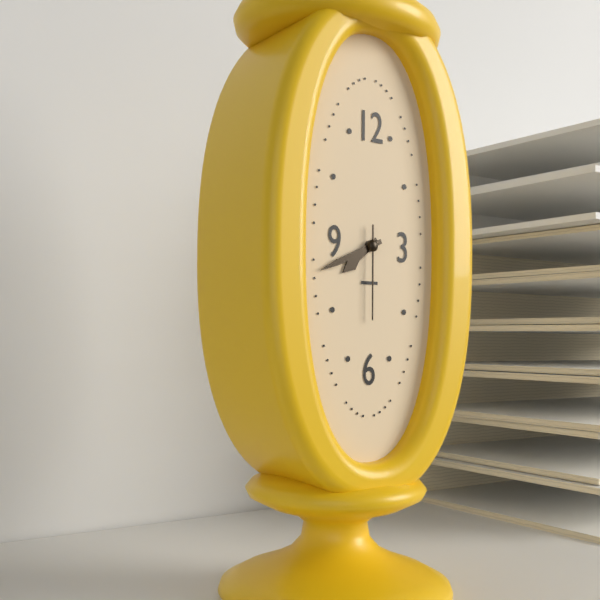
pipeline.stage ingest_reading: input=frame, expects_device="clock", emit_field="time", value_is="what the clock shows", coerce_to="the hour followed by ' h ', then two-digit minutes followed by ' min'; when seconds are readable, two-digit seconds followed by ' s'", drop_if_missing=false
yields 7 h 41 min 30 s
